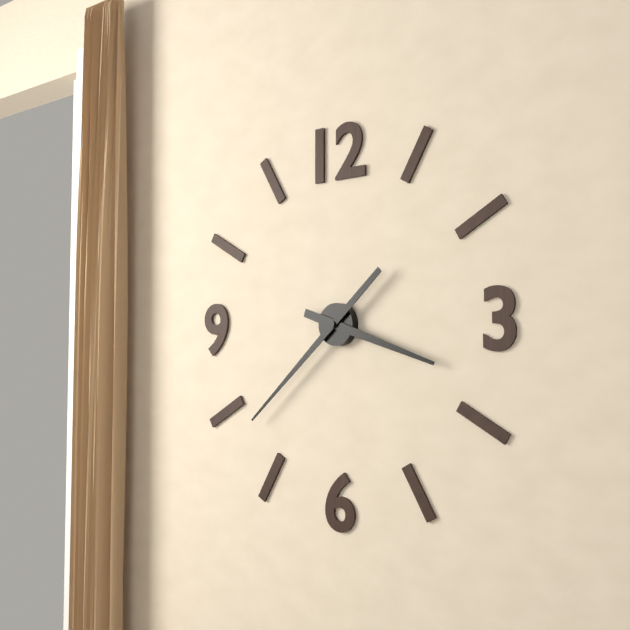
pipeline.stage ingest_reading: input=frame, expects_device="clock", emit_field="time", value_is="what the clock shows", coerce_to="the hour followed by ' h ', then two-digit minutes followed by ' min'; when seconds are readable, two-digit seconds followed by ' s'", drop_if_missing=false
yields 3 h 38 min
